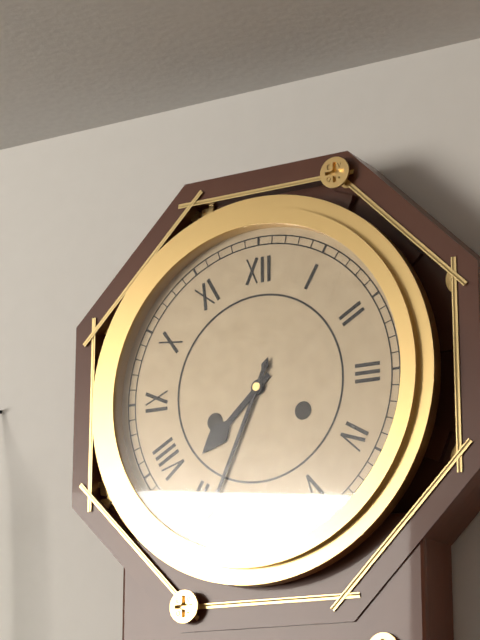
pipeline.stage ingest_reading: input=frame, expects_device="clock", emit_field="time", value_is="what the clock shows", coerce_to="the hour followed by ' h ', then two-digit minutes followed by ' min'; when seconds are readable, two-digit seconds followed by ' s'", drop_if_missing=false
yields 7 h 34 min
